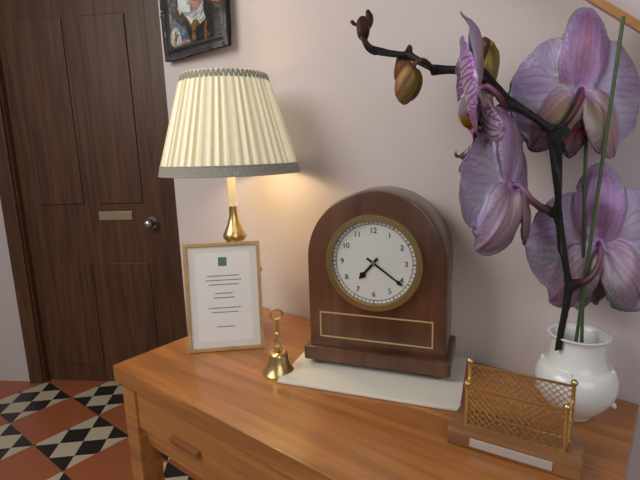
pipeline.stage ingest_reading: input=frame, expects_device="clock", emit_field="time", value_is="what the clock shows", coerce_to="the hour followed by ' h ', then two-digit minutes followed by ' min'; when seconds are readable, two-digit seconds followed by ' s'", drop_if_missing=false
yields 7 h 21 min
